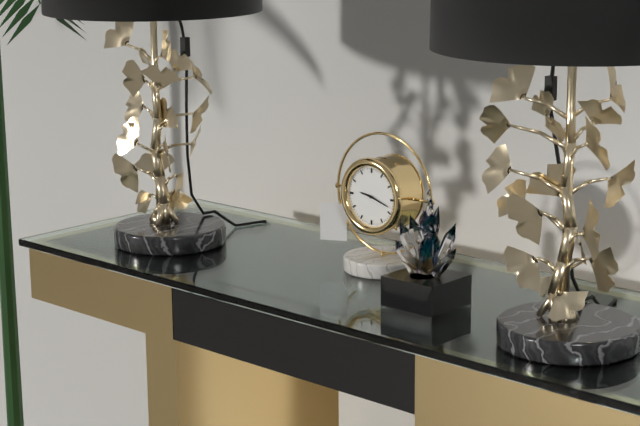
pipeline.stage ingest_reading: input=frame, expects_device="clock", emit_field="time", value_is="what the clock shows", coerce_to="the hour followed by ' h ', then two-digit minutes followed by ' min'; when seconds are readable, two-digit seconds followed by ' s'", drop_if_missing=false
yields 9 h 18 min
